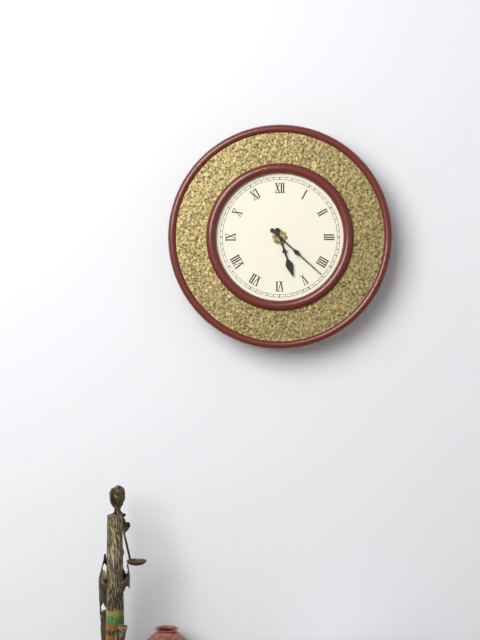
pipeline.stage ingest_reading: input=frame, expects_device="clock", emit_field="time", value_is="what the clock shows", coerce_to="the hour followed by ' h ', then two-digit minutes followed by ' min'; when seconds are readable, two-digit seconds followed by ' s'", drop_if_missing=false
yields 5 h 22 min
